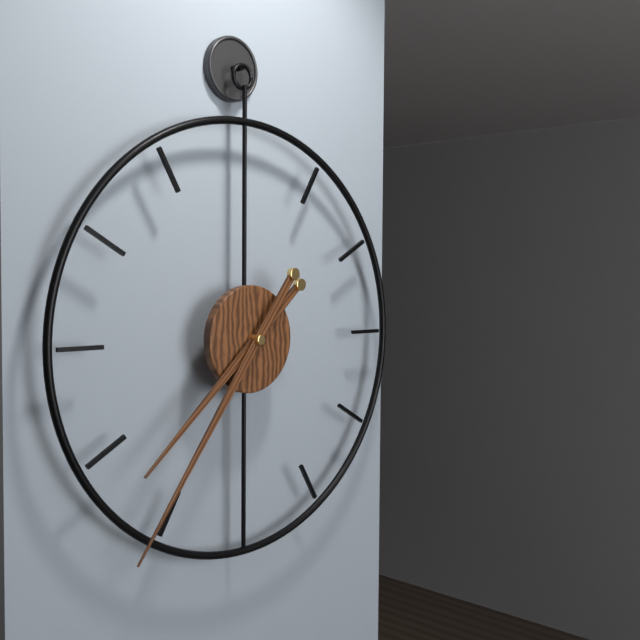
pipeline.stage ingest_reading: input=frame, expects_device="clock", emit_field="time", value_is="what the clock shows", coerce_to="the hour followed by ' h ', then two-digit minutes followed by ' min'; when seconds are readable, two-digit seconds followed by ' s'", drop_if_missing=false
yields 7 h 36 min
